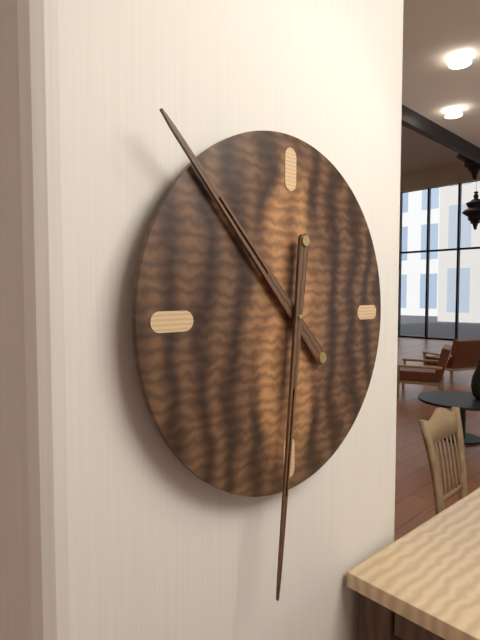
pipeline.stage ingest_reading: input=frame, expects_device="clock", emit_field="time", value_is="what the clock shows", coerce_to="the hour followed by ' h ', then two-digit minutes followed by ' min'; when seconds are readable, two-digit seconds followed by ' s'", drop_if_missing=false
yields 10 h 31 min
